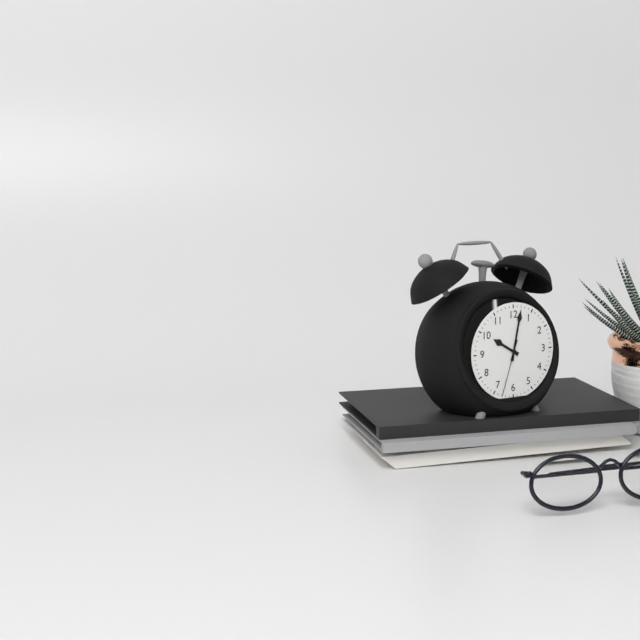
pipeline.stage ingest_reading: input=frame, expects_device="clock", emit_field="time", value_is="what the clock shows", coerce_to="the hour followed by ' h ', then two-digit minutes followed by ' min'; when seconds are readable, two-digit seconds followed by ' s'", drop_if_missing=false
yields 10 h 02 min 33 s
